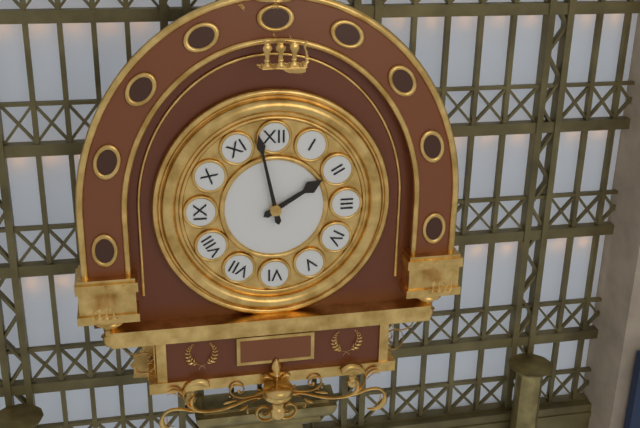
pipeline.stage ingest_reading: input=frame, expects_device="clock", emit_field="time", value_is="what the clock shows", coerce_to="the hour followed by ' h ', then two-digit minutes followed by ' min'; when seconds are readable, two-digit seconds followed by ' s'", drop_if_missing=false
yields 1 h 58 min
